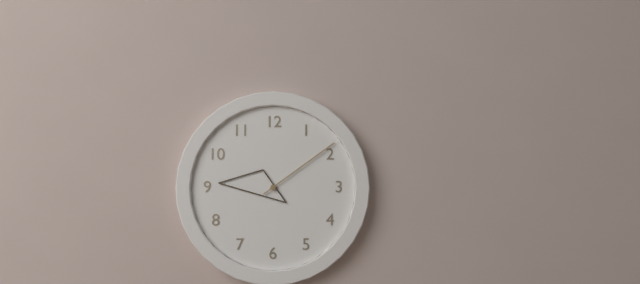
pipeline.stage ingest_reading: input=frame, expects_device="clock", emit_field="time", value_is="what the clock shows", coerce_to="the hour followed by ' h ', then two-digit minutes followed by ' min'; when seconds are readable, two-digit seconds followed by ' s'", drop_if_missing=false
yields 9 h 09 min
